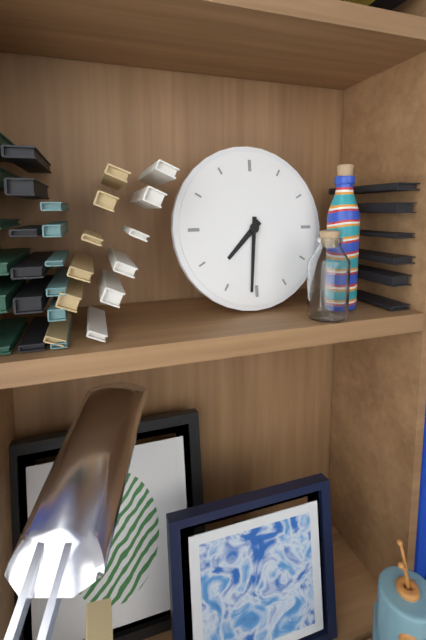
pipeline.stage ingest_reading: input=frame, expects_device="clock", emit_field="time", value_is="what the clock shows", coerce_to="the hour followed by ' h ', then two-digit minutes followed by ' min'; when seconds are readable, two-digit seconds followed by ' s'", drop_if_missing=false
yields 7 h 31 min
